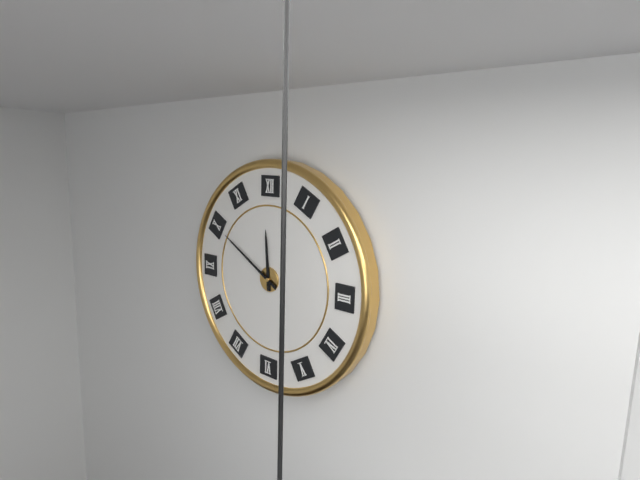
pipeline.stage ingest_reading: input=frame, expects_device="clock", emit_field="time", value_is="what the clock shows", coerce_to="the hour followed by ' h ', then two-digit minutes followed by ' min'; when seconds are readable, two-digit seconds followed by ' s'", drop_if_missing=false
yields 11 h 50 min
